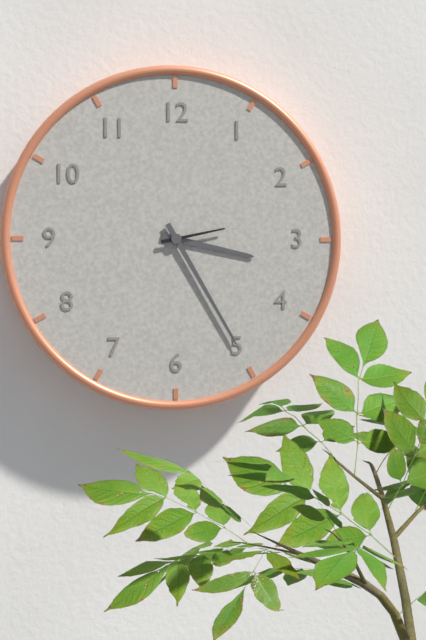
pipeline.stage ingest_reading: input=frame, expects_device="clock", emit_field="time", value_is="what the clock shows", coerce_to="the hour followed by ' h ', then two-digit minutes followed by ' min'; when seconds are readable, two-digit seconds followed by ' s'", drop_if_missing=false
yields 3 h 25 min 13 s
